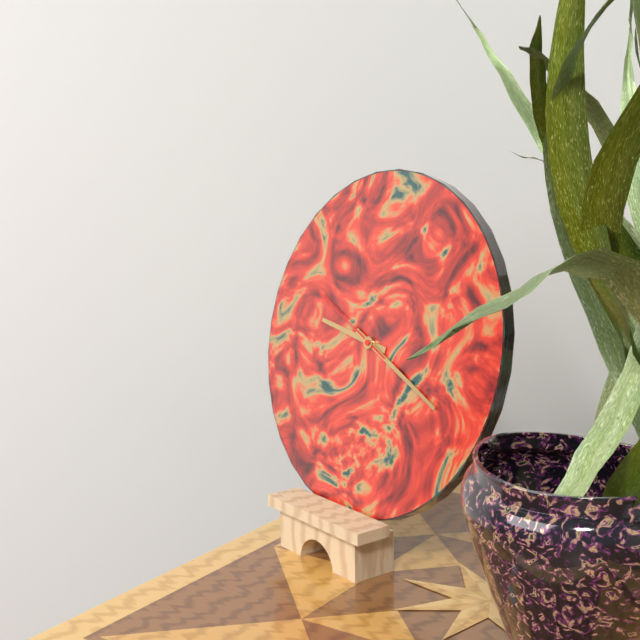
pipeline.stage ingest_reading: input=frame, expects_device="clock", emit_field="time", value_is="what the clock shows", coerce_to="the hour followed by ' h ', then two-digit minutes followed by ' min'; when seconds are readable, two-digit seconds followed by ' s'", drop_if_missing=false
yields 9 h 19 min 49 s
